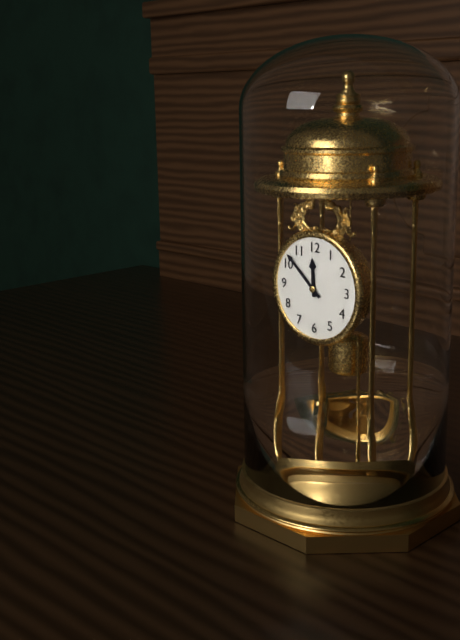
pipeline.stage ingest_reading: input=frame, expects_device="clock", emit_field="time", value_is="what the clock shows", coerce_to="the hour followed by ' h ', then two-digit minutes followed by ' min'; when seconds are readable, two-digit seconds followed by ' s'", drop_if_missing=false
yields 11 h 52 min
